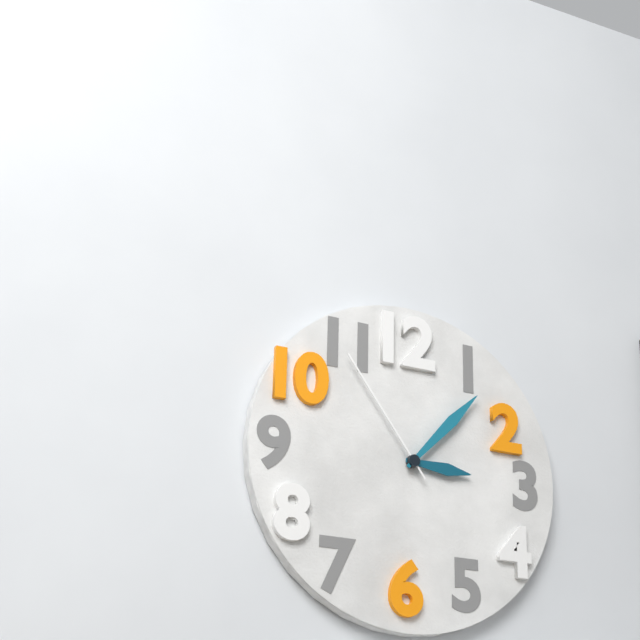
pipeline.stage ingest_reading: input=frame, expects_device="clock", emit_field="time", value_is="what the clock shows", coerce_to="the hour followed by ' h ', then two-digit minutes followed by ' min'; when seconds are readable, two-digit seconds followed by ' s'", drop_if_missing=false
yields 3 h 07 min 54 s
